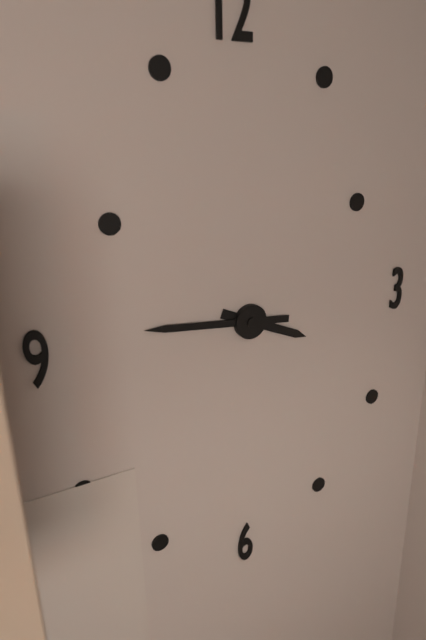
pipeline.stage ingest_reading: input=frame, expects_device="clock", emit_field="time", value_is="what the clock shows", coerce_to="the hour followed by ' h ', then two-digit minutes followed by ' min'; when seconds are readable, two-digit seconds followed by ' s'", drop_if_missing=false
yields 3 h 46 min
